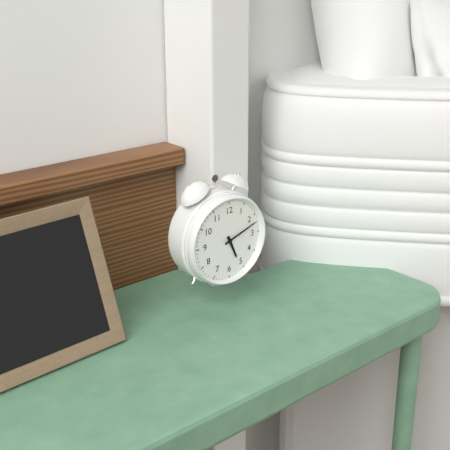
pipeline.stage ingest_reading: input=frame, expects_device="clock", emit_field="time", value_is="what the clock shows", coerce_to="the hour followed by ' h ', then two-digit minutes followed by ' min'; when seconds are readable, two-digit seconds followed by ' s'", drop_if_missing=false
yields 5 h 12 min
